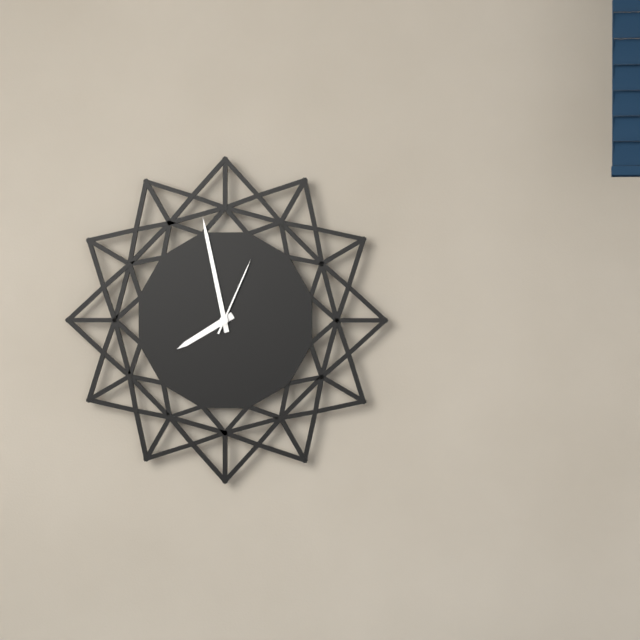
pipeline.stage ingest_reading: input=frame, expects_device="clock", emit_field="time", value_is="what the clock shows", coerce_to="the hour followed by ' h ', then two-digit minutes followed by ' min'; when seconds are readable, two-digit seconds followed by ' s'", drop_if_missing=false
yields 7 h 58 min 04 s
